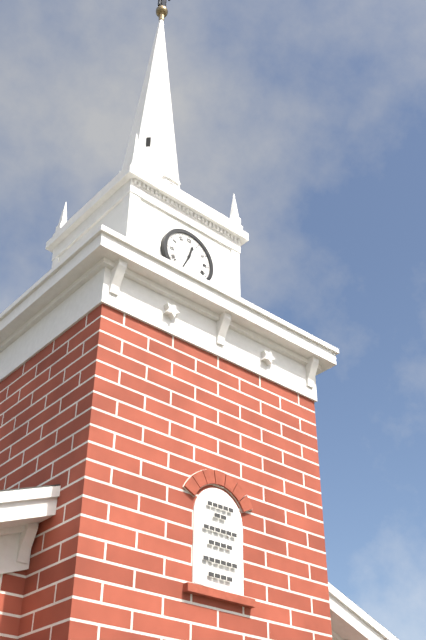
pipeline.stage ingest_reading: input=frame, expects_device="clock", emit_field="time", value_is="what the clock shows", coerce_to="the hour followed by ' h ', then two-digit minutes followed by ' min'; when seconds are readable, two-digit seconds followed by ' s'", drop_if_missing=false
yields 12 h 34 min
